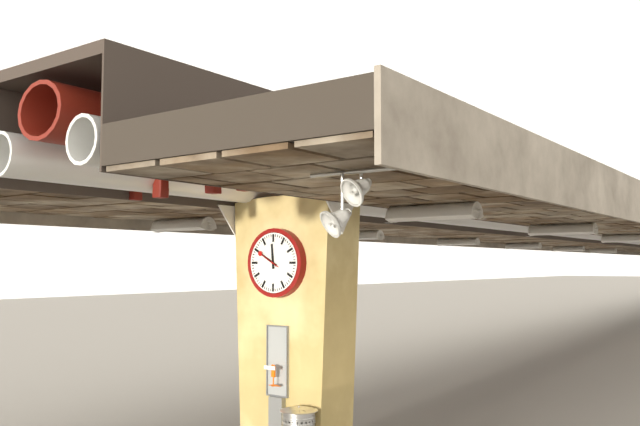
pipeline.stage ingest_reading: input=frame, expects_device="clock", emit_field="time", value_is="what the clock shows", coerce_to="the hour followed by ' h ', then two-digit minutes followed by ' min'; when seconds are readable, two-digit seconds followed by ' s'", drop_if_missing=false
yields 11 h 50 min
